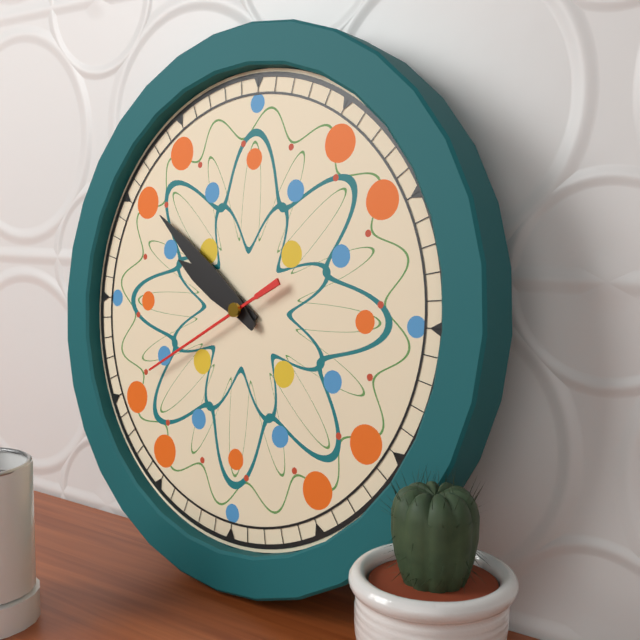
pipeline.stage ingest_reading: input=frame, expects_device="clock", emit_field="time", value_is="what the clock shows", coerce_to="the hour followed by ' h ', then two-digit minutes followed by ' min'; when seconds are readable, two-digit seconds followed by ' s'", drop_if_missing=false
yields 9 h 51 min 40 s
